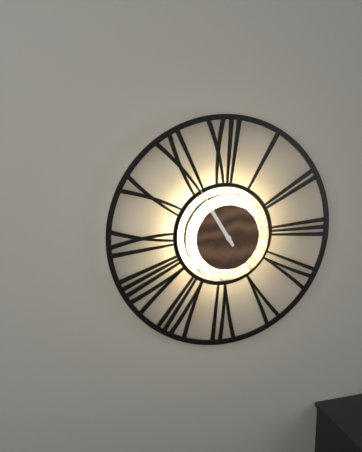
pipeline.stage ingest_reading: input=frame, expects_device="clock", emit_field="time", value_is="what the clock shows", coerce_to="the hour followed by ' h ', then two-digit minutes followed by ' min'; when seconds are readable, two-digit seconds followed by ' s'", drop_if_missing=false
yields 10 h 55 min
